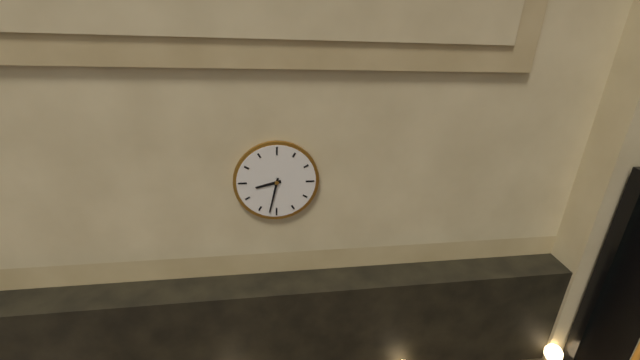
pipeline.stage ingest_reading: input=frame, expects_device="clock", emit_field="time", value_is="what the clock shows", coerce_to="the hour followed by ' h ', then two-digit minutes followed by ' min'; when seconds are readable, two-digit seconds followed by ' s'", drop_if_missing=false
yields 8 h 32 min
